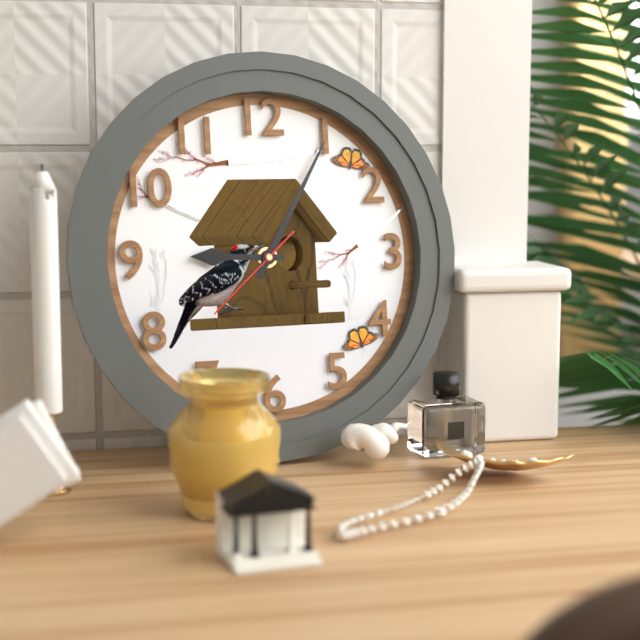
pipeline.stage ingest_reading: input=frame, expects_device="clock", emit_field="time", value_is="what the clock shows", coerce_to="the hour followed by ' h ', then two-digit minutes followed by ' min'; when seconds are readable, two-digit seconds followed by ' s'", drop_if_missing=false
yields 9 h 05 min 38 s
